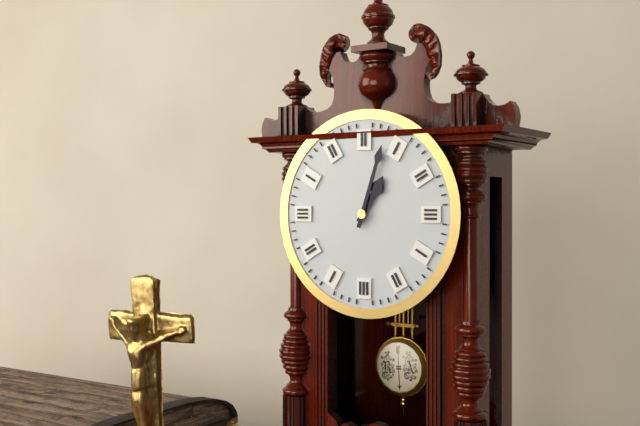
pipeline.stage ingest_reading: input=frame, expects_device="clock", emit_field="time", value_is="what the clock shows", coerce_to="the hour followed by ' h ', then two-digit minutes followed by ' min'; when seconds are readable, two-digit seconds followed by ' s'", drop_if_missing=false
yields 1 h 03 min
